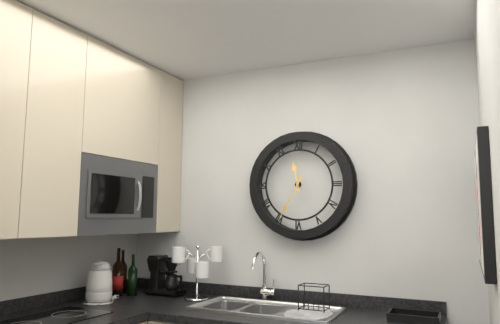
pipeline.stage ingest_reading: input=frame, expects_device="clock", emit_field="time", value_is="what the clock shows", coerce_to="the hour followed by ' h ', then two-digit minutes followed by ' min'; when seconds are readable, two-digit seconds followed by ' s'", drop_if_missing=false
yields 11 h 35 min
